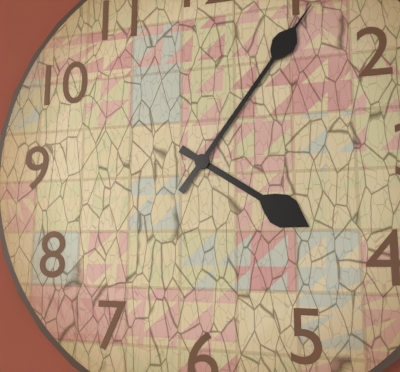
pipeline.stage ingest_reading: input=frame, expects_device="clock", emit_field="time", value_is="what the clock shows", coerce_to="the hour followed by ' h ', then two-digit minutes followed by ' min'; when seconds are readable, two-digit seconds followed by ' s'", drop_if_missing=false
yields 4 h 06 min
